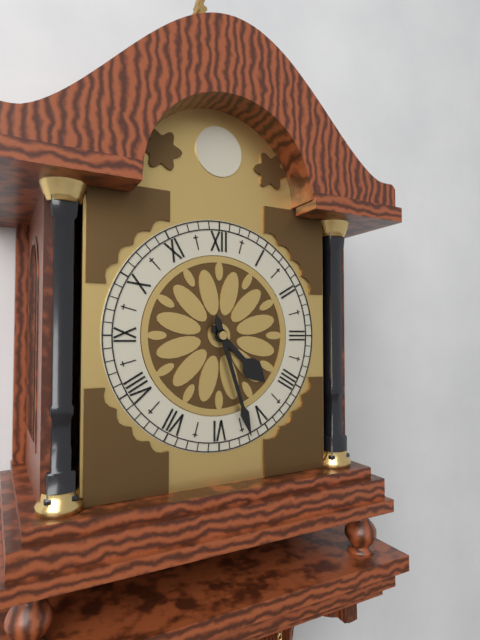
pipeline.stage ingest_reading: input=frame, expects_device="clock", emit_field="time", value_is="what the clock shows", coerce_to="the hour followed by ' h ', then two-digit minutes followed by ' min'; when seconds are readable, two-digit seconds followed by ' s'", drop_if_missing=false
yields 4 h 27 min
